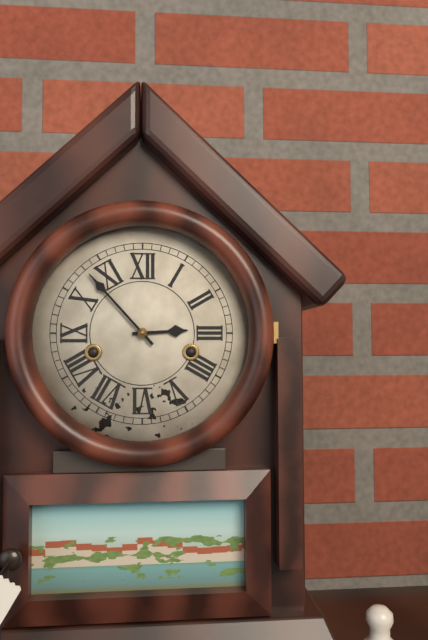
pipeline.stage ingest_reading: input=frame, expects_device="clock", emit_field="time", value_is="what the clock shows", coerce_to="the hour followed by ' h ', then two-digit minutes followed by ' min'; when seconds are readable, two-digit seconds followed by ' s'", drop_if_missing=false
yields 2 h 53 min
